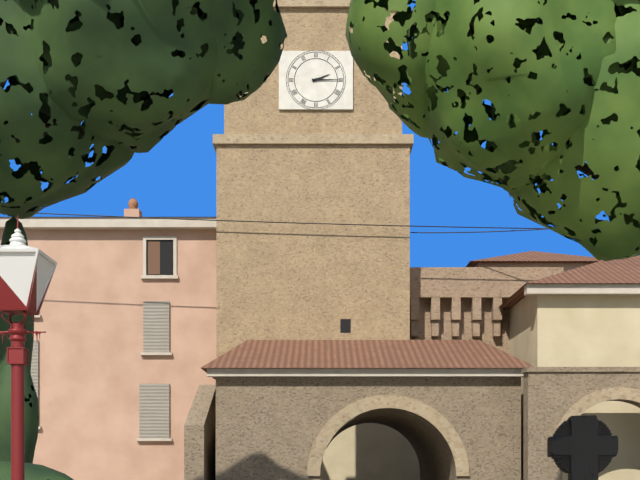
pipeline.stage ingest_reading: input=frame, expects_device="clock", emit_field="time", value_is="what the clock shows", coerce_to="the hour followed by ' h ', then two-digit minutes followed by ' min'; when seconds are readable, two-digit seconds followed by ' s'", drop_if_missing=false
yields 2 h 15 min
